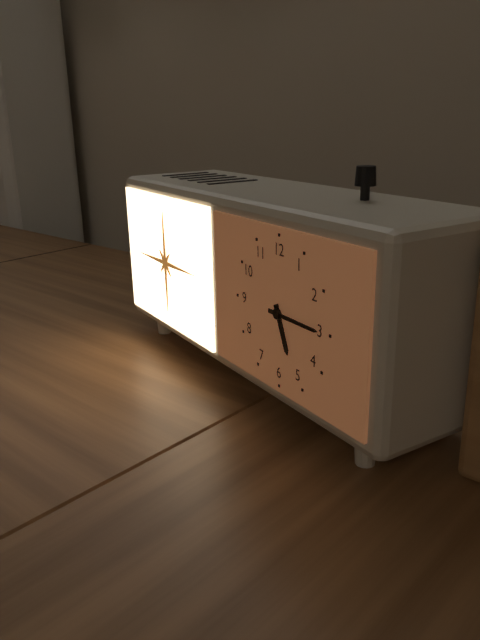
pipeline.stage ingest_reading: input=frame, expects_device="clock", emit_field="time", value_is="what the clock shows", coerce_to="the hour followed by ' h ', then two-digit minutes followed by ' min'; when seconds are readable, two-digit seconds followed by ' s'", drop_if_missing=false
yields 5 h 15 min
